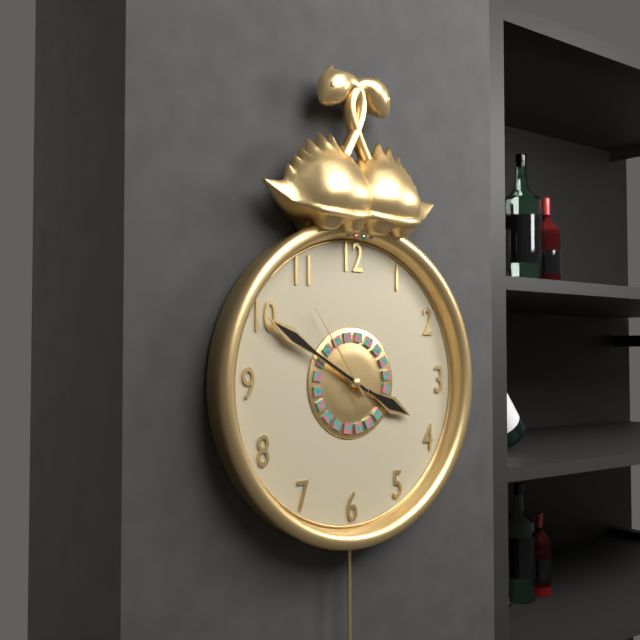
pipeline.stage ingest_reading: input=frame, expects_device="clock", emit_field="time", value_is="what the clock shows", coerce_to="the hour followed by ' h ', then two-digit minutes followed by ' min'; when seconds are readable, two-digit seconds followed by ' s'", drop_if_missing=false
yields 3 h 50 min 54 s
